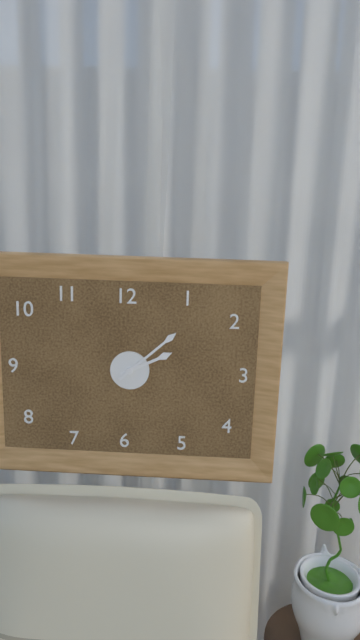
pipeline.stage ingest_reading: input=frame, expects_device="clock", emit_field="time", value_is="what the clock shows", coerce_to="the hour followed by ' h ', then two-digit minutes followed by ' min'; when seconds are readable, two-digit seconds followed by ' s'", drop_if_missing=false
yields 2 h 08 min
